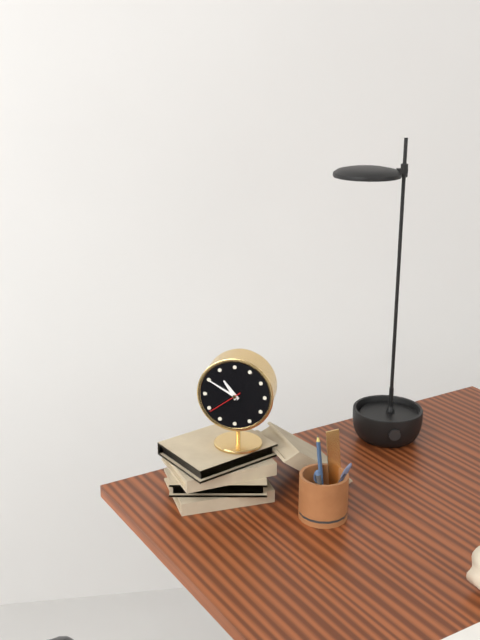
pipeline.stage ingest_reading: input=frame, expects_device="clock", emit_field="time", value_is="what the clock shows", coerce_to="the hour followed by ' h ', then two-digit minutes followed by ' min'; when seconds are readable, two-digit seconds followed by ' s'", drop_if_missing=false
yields 10 h 50 min
